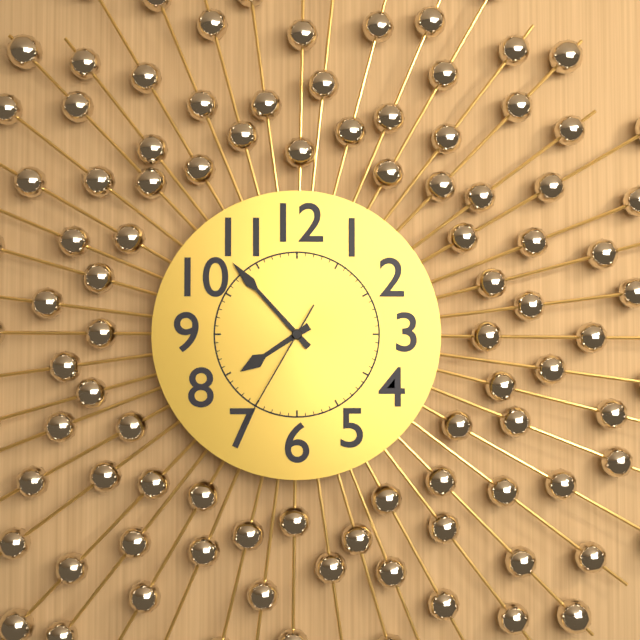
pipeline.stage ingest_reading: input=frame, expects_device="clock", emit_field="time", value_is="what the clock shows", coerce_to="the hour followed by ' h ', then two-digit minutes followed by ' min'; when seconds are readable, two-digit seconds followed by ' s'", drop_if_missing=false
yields 7 h 53 min 35 s
